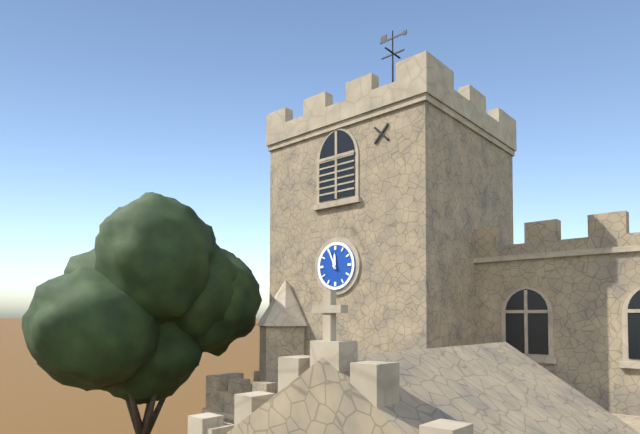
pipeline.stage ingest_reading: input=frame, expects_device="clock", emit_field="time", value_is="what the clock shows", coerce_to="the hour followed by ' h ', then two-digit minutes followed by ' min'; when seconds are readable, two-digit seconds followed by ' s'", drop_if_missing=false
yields 11 h 56 min
